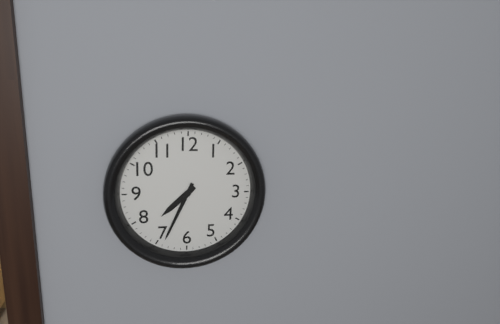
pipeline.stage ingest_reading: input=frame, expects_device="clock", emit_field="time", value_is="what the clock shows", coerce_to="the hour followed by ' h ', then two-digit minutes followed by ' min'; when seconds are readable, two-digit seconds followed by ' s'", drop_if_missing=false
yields 7 h 34 min
